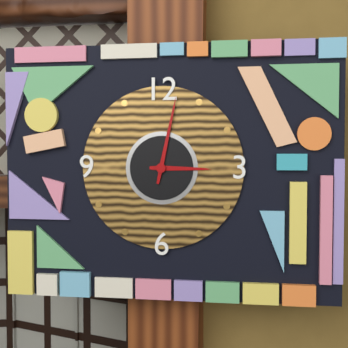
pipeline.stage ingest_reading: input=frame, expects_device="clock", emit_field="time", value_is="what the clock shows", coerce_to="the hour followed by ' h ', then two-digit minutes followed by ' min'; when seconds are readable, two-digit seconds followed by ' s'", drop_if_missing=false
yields 3 h 02 min
